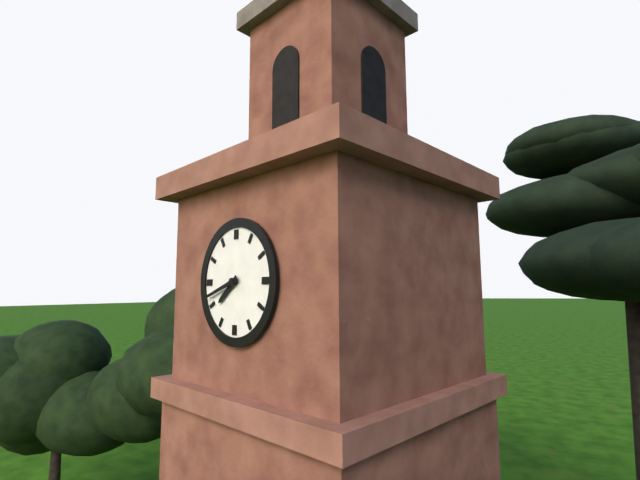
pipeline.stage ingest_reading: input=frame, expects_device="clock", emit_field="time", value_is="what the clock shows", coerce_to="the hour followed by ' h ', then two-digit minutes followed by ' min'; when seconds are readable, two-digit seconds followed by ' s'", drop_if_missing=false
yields 7 h 42 min
